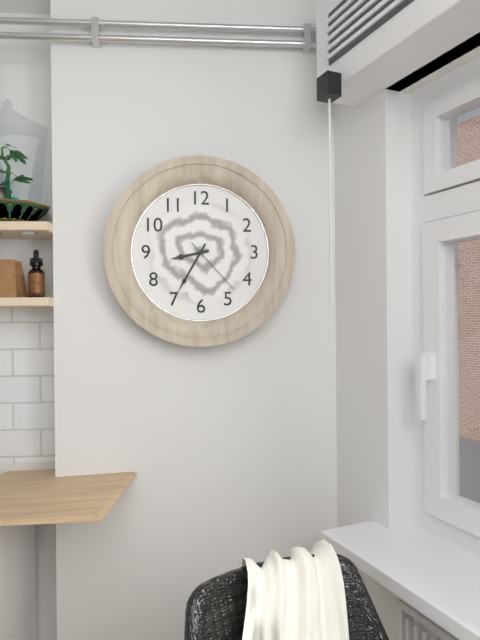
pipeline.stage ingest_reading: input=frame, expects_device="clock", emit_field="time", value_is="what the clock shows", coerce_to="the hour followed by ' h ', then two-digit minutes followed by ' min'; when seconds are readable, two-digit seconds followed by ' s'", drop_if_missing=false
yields 8 h 35 min 23 s
